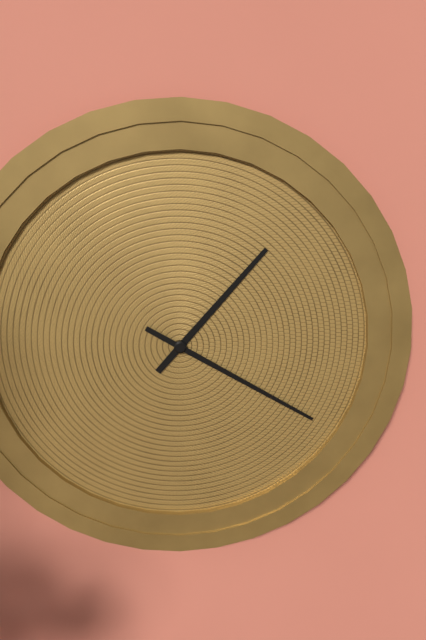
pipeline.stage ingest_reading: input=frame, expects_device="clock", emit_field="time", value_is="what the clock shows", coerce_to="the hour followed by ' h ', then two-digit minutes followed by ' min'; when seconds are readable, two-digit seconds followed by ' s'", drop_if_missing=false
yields 1 h 20 min
